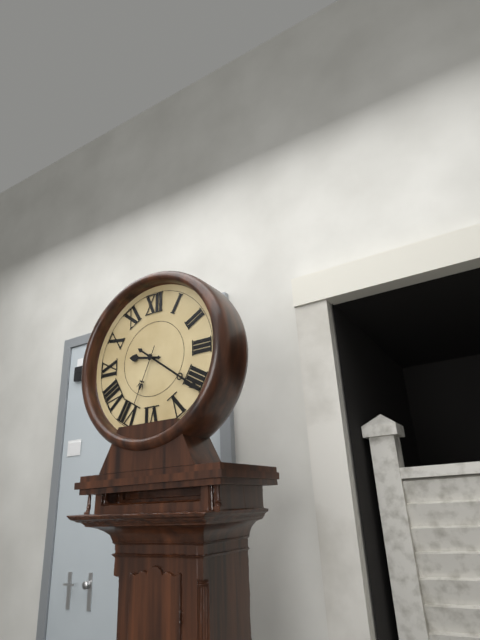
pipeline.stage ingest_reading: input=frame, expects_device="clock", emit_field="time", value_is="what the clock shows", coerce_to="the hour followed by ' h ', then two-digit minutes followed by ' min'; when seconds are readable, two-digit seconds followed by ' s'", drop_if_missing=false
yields 9 h 21 min 34 s
